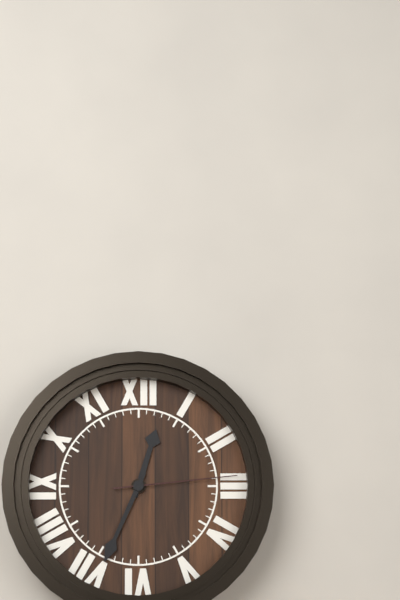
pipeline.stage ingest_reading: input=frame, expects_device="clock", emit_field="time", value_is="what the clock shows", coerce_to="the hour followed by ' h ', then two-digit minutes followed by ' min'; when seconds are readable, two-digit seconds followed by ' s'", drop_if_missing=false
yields 12 h 34 min 14 s
